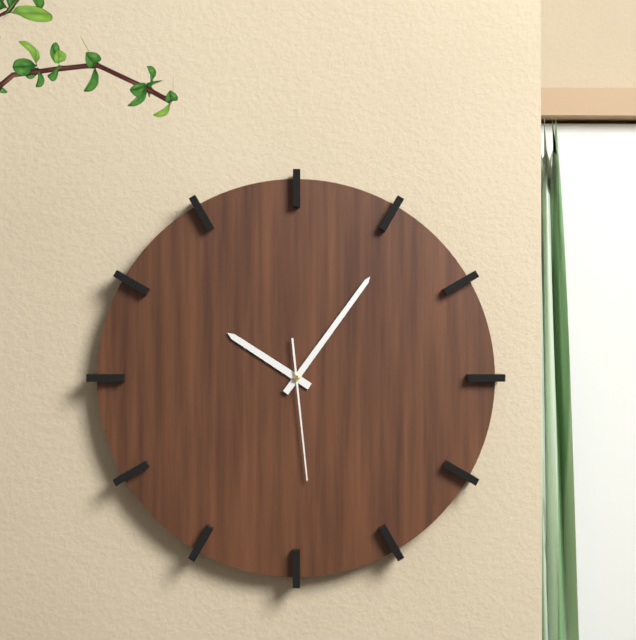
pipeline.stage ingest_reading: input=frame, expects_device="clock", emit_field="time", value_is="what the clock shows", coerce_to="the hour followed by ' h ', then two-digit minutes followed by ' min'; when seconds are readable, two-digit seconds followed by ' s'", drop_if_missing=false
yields 10 h 06 min 29 s
